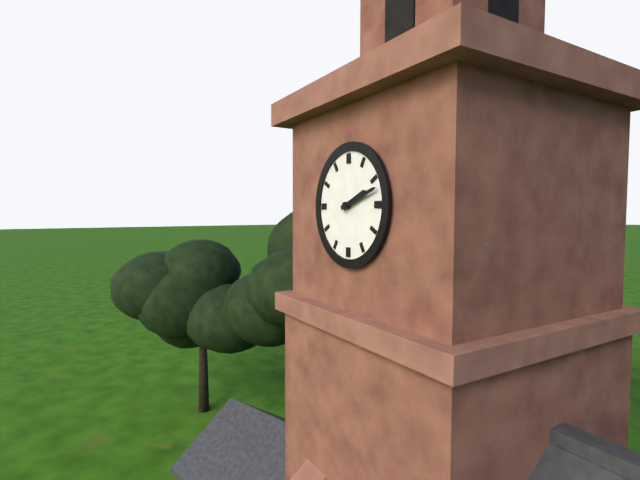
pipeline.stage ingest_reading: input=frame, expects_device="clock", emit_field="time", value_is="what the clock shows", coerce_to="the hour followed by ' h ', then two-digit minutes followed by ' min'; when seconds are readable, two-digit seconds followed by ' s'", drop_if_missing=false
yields 2 h 12 min
